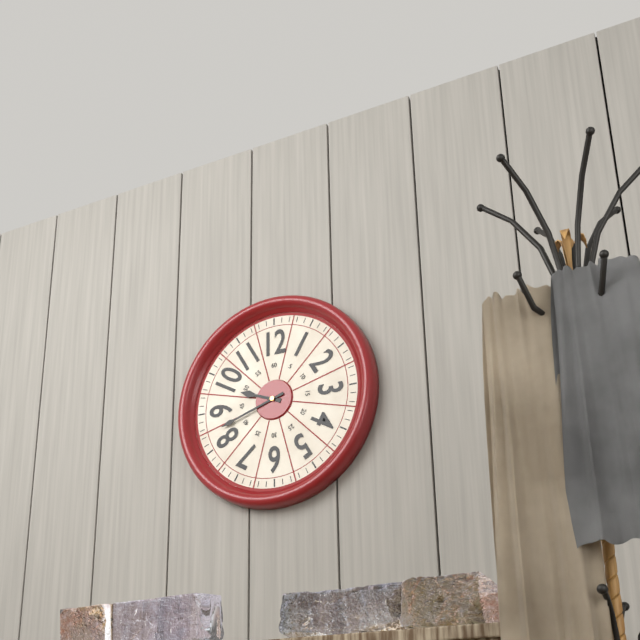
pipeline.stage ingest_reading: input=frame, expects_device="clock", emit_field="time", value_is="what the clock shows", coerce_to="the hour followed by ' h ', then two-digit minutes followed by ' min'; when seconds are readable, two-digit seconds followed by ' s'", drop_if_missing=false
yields 9 h 42 min
